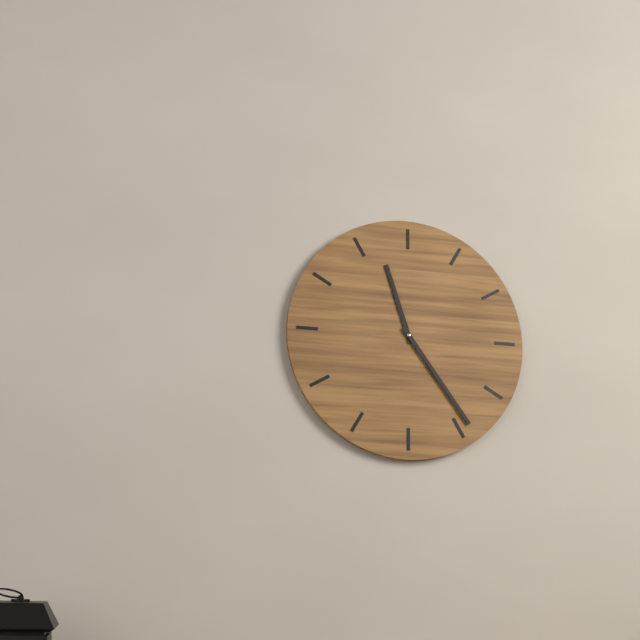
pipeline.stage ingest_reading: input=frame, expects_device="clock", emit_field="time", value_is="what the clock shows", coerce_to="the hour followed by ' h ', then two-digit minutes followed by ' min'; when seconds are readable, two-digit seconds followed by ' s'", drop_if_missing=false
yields 11 h 24 min
